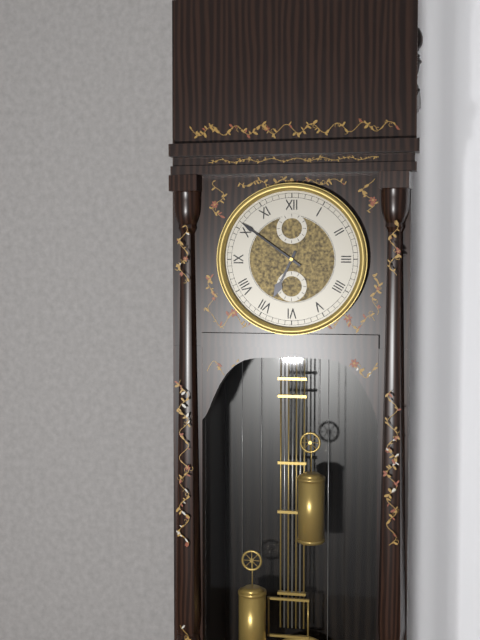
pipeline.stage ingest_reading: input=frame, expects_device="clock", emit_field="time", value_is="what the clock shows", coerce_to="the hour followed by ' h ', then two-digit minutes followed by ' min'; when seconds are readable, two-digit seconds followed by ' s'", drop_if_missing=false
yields 6 h 51 min
